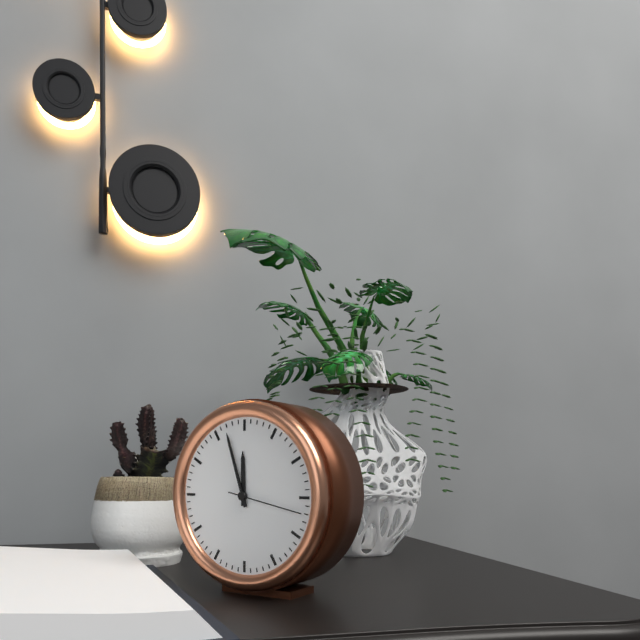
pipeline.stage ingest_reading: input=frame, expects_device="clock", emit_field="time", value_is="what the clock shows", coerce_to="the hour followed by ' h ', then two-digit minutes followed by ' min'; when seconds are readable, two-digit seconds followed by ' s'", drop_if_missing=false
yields 11 h 57 min
